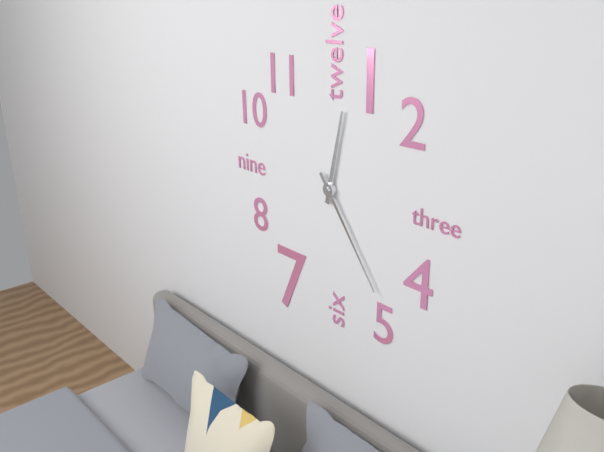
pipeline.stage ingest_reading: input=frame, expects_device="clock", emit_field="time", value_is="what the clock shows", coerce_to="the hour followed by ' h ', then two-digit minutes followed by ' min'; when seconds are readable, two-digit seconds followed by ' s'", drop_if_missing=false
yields 12 h 24 min
